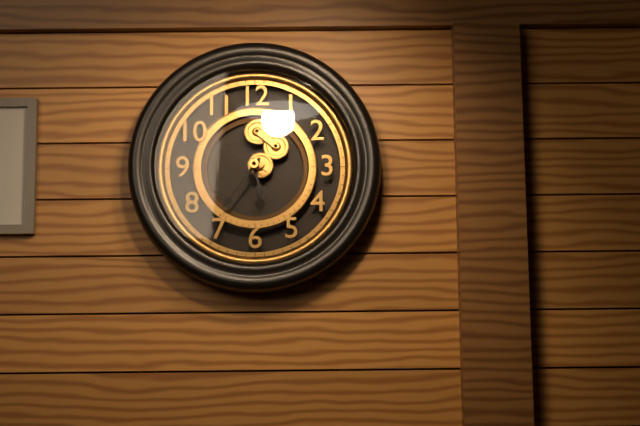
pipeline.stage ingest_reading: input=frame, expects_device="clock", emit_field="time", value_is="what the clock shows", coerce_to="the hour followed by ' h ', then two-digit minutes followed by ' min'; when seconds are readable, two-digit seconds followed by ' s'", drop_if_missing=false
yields 5 h 36 min 50 s
